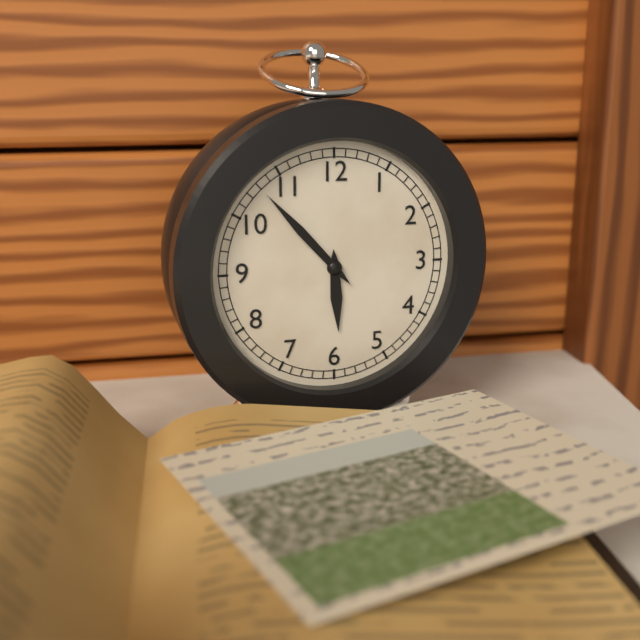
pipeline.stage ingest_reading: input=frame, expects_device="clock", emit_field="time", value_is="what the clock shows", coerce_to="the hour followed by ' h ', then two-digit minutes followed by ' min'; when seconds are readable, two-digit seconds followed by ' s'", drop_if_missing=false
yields 5 h 53 min
